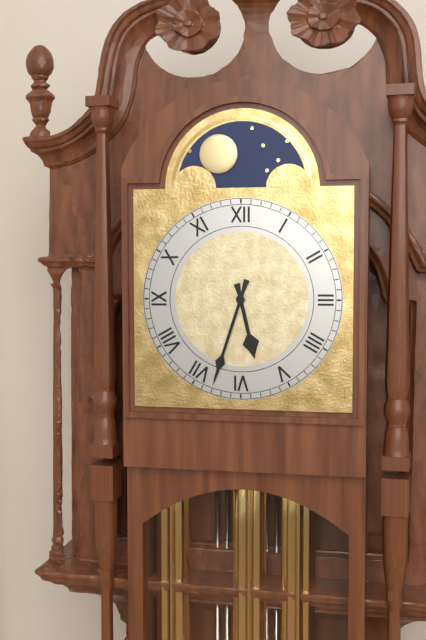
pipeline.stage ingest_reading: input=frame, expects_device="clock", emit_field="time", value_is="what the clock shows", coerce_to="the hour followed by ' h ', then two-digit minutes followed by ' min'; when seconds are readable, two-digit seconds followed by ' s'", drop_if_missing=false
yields 5 h 33 min
